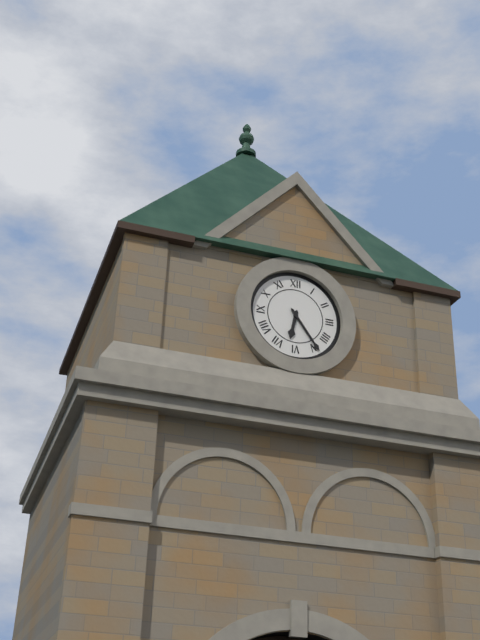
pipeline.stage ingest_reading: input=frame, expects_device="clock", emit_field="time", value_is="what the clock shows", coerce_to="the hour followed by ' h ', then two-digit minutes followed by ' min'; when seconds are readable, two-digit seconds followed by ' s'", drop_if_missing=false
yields 6 h 24 min
